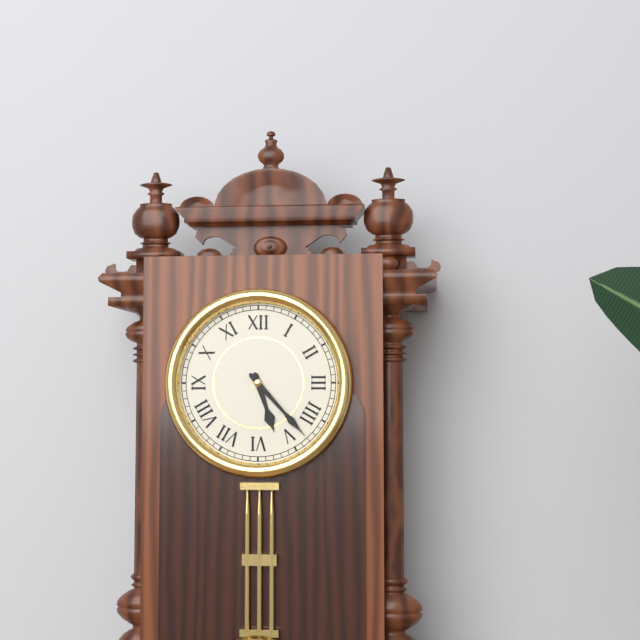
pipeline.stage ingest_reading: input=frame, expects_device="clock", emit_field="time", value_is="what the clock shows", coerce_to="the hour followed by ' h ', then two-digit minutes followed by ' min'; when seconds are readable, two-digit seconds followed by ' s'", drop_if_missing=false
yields 5 h 23 min
